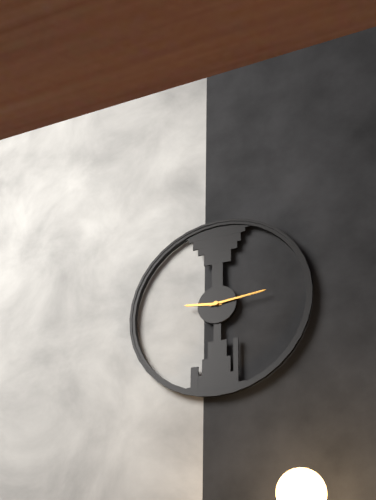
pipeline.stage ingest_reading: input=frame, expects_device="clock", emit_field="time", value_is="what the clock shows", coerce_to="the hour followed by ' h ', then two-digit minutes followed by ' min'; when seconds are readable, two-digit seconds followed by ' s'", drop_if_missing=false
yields 9 h 14 min
